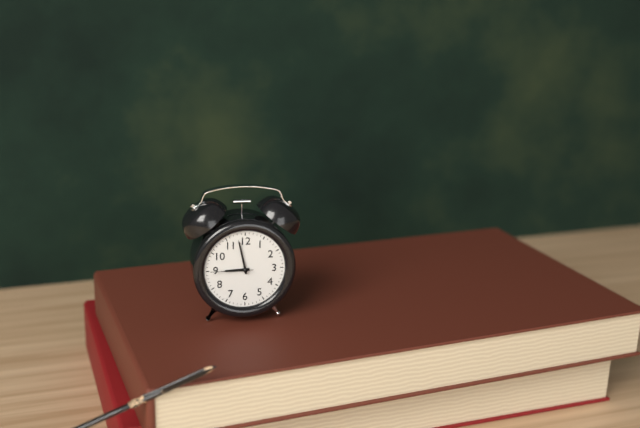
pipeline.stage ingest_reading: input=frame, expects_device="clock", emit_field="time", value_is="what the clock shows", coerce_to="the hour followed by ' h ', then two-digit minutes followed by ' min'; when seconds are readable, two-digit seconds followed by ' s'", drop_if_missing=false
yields 8 h 58 min
